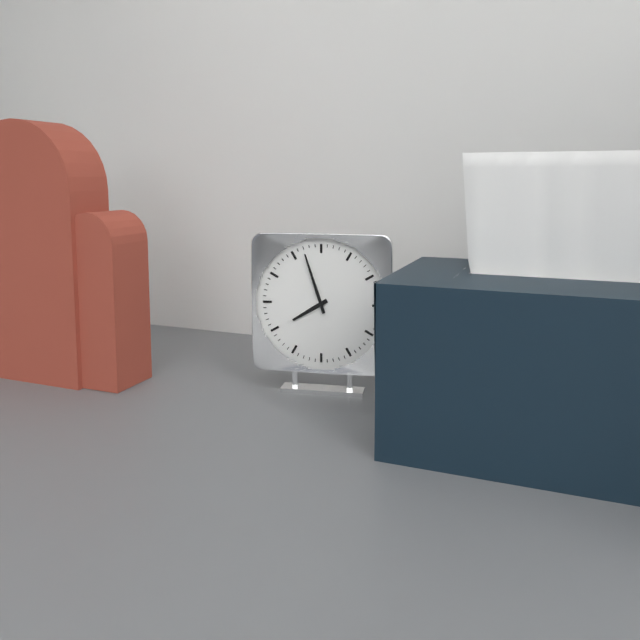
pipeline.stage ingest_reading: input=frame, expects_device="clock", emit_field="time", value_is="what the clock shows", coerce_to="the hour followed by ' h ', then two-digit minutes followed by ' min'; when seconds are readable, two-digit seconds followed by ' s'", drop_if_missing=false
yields 7 h 57 min
